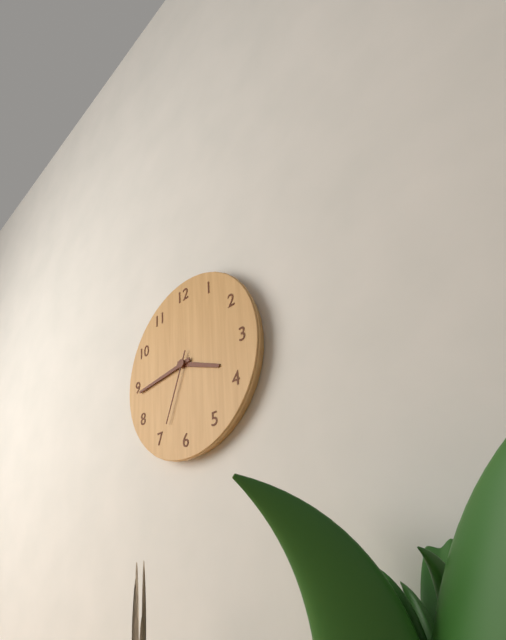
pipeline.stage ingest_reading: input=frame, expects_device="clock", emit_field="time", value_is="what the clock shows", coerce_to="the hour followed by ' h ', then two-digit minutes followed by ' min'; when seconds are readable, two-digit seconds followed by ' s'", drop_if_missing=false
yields 3 h 44 min 34 s
